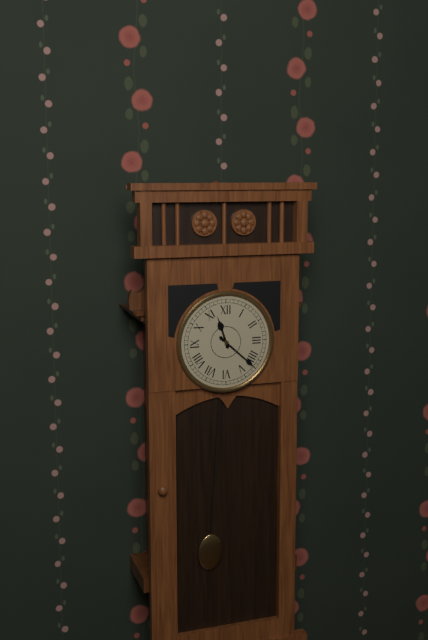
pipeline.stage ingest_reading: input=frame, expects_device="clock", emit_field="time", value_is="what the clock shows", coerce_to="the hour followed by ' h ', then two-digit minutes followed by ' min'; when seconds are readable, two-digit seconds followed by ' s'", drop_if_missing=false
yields 11 h 22 min
